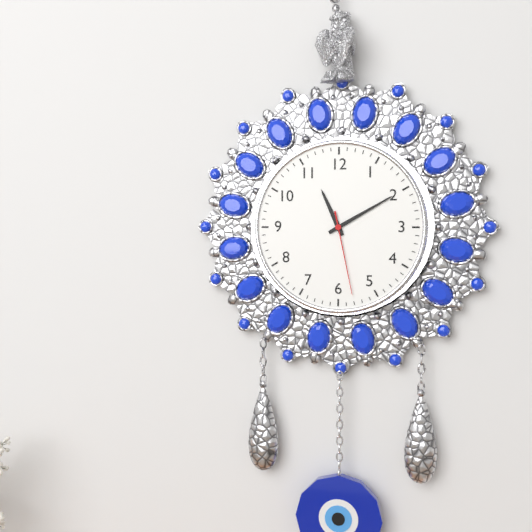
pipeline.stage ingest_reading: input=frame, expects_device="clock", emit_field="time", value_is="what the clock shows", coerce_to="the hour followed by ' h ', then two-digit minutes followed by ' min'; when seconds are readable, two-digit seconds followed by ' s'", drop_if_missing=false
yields 11 h 10 min 28 s
